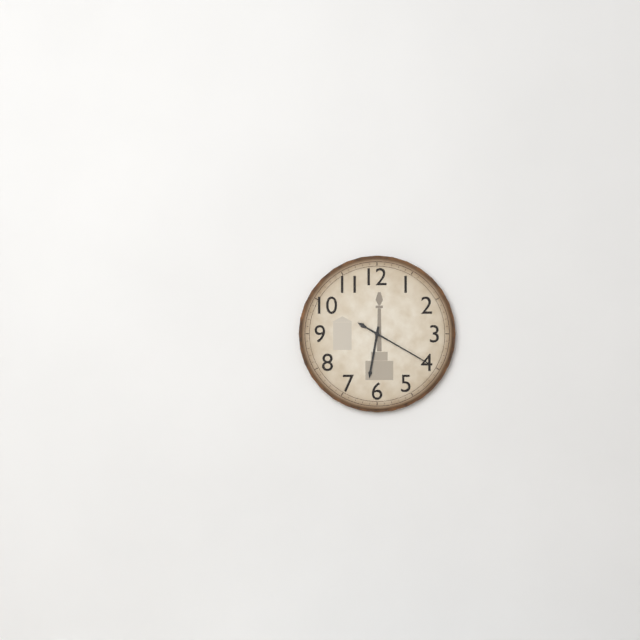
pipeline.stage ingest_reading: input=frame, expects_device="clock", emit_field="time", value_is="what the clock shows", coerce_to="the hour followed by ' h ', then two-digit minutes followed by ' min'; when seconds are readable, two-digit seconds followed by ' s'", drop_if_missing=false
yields 6 h 20 min
